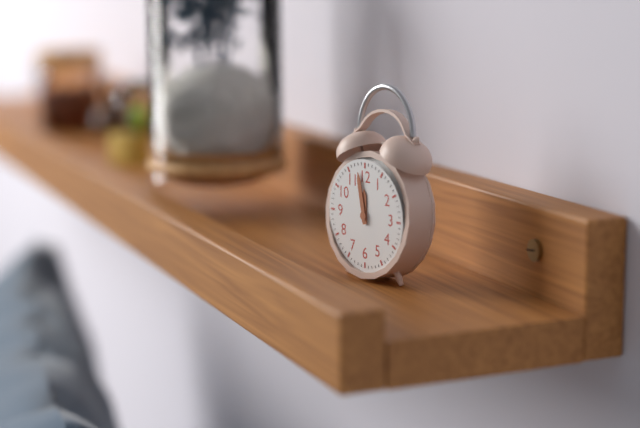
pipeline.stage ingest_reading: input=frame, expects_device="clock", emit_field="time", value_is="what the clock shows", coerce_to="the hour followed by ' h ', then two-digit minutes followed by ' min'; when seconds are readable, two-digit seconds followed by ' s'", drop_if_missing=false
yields 11 h 58 min
